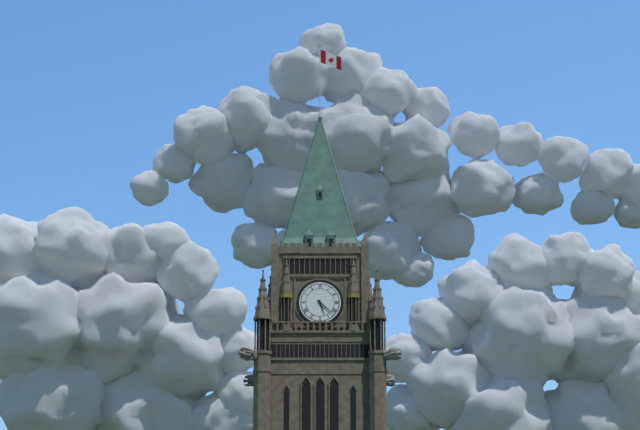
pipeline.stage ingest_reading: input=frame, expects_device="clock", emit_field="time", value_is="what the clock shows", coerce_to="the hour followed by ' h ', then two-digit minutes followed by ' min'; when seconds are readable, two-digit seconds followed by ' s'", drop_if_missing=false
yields 5 h 22 min
